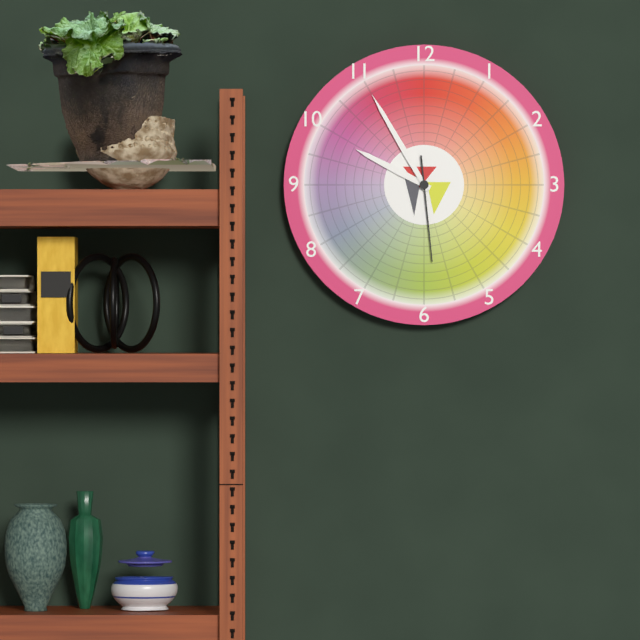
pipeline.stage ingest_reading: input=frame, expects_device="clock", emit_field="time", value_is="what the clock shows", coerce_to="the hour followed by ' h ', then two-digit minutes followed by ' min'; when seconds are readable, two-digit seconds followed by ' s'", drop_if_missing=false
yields 9 h 55 min 29 s
